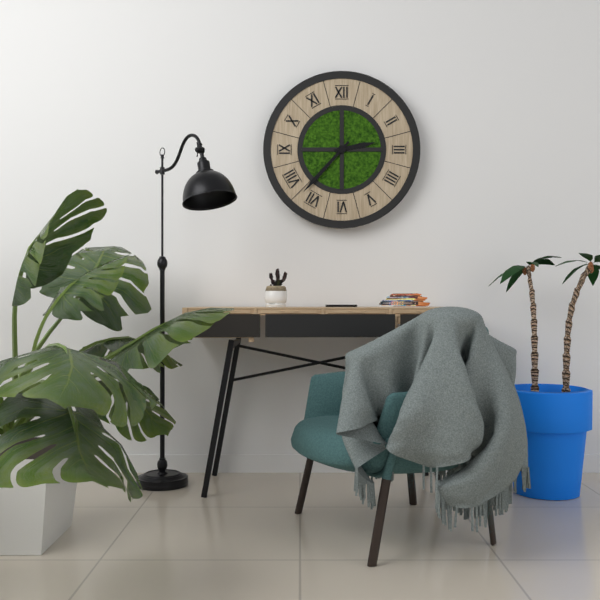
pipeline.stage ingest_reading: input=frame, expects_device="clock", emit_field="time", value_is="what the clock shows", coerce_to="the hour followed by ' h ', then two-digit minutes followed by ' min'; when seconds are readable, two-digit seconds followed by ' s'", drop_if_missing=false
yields 2 h 37 min
